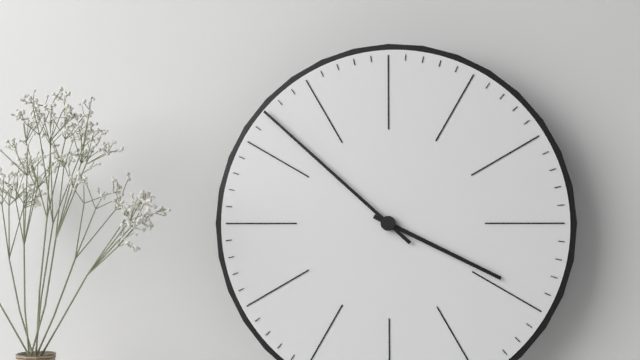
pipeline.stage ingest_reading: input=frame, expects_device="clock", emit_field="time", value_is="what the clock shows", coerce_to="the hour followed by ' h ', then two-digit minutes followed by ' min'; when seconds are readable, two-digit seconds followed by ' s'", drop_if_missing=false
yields 3 h 52 min
